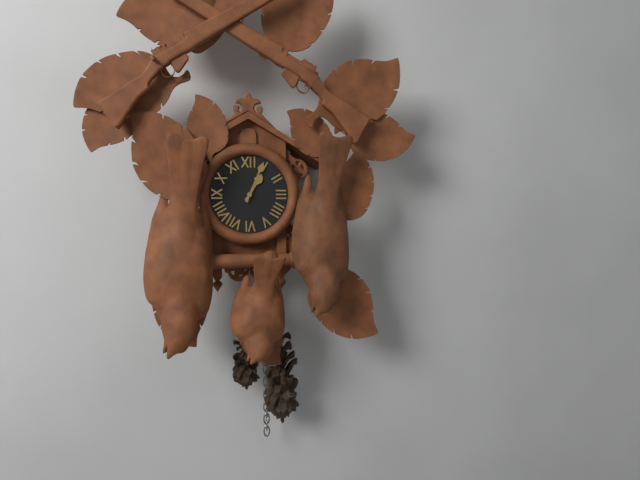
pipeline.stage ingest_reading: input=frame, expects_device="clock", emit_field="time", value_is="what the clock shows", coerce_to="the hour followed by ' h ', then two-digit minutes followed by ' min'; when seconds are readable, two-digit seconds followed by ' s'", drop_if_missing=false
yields 1 h 04 min
